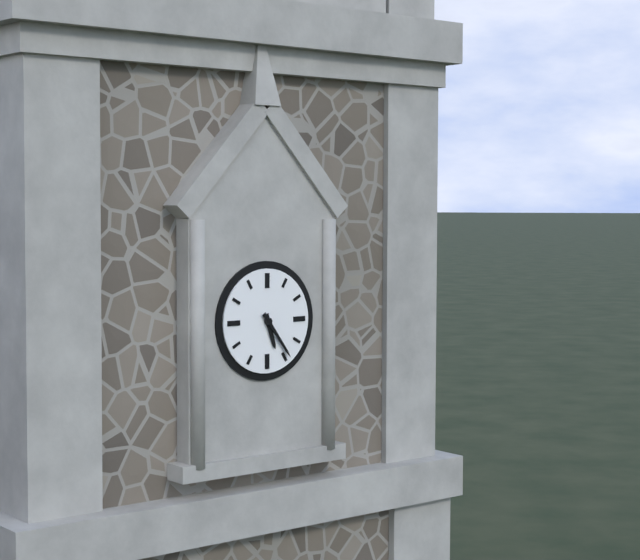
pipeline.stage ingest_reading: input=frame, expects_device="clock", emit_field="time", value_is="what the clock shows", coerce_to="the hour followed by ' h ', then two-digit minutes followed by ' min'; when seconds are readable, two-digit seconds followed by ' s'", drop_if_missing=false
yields 5 h 24 min
